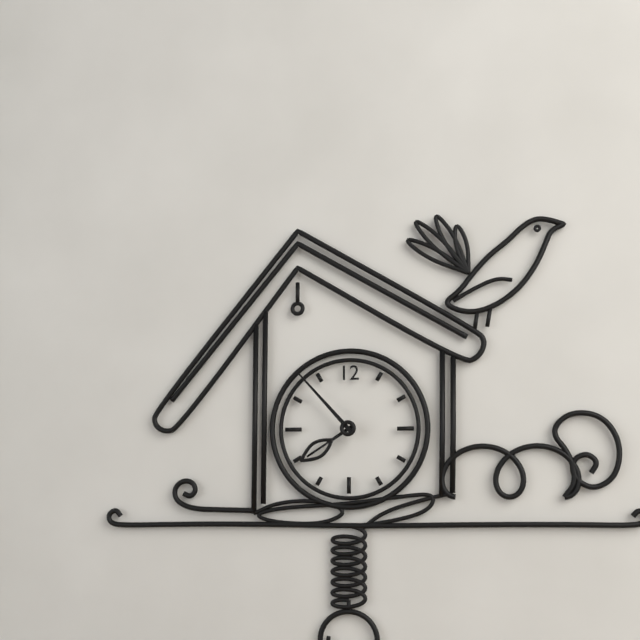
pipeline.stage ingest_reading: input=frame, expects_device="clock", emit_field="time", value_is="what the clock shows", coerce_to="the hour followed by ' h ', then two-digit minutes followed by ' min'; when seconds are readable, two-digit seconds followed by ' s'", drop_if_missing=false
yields 7 h 53 min
